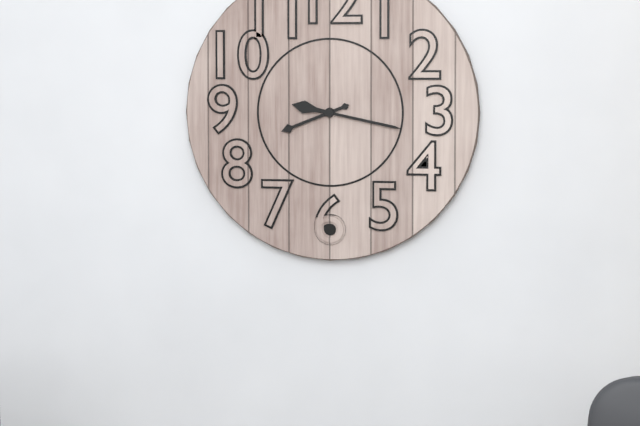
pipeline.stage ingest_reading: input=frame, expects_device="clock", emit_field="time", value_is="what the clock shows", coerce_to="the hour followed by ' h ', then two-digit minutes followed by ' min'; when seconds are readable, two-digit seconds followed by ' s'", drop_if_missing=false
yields 8 h 17 min
